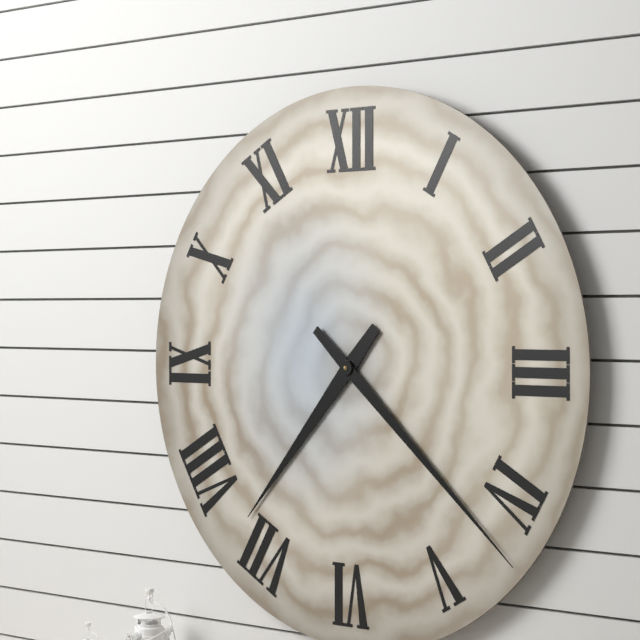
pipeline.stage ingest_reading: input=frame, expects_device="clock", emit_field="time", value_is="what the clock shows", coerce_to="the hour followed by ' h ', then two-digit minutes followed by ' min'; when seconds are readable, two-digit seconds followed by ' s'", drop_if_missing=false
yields 7 h 22 min
